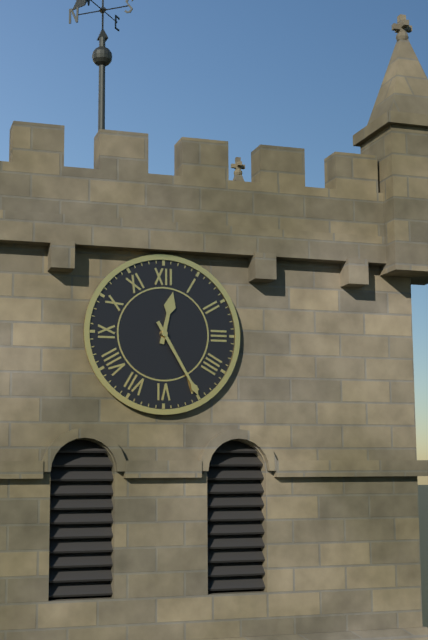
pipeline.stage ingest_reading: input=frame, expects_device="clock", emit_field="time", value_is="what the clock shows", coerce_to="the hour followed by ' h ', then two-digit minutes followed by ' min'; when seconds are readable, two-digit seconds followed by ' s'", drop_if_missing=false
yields 12 h 25 min
